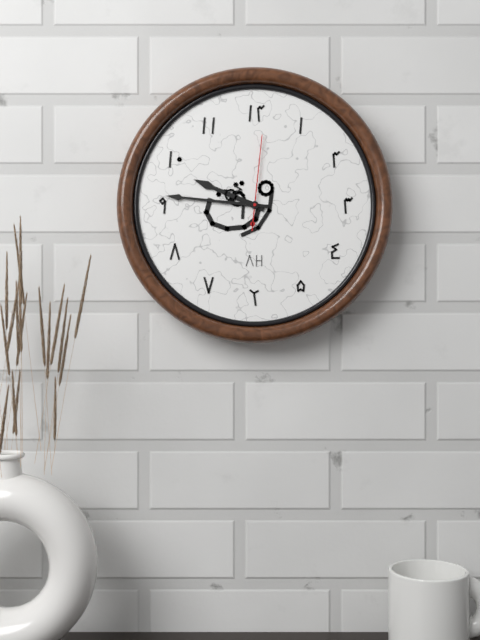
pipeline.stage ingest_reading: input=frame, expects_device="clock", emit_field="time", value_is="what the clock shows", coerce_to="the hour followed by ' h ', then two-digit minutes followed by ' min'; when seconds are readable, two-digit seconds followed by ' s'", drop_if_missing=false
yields 9 h 46 min 01 s
